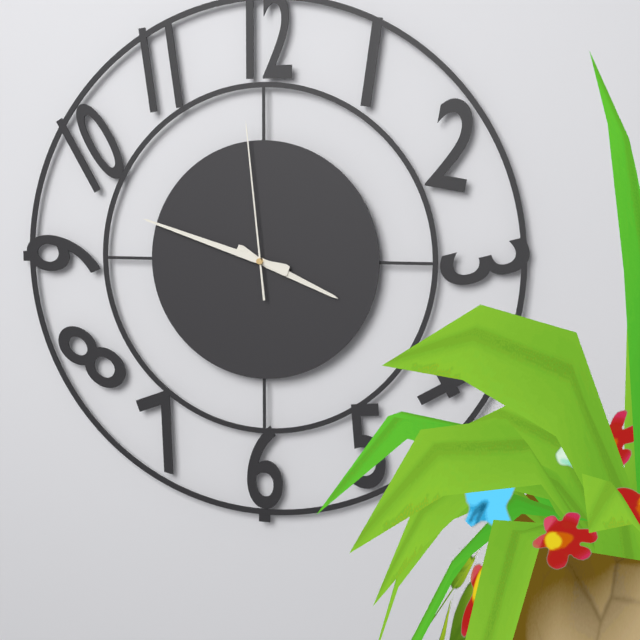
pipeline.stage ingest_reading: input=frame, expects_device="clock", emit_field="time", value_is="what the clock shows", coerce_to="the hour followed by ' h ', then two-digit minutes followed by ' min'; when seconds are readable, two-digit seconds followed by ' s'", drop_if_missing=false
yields 3 h 48 min 59 s
